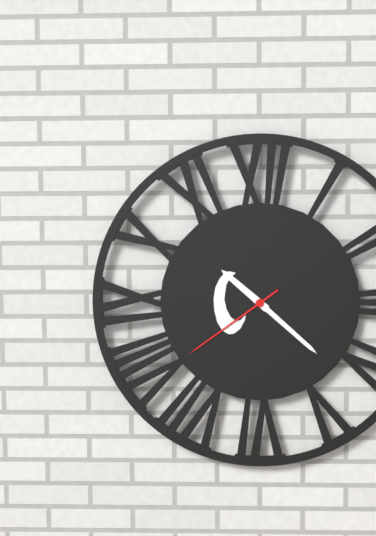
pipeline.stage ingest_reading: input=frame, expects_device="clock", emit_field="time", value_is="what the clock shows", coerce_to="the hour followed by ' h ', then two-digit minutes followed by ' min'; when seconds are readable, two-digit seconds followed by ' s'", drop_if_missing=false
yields 10 h 22 min 39 s
